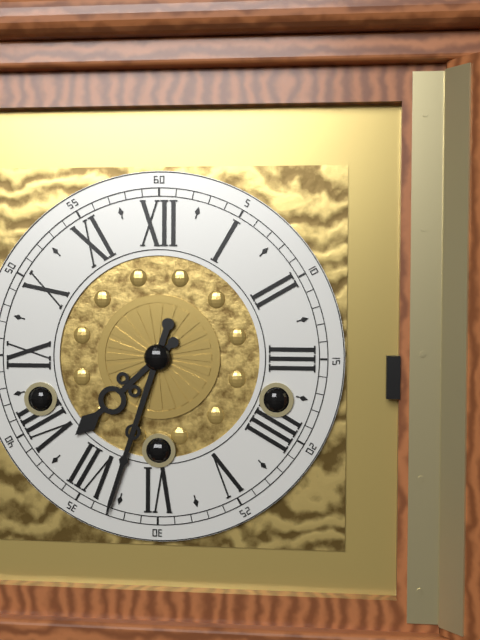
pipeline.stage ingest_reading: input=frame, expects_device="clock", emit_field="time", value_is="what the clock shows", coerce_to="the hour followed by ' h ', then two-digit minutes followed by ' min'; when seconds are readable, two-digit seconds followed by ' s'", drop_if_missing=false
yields 7 h 33 min
